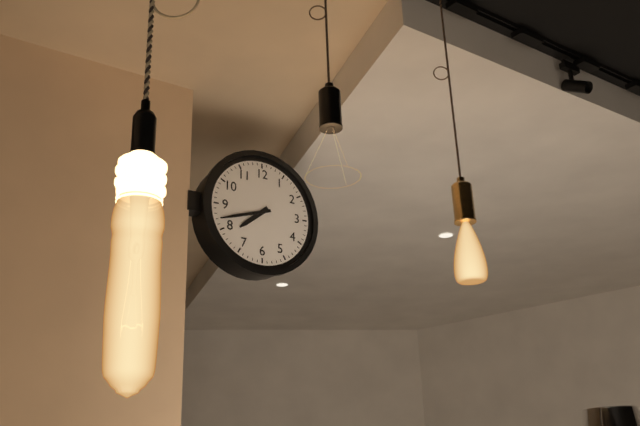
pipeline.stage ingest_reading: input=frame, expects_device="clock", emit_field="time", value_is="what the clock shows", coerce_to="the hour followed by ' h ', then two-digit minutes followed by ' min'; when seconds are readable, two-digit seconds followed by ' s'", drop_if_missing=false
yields 7 h 42 min
